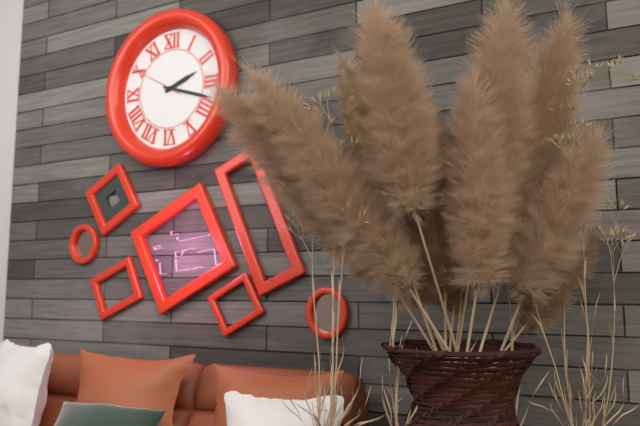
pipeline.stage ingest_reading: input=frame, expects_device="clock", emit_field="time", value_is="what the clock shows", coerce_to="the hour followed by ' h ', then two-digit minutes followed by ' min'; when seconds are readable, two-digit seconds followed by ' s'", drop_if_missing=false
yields 2 h 18 min 50 s
